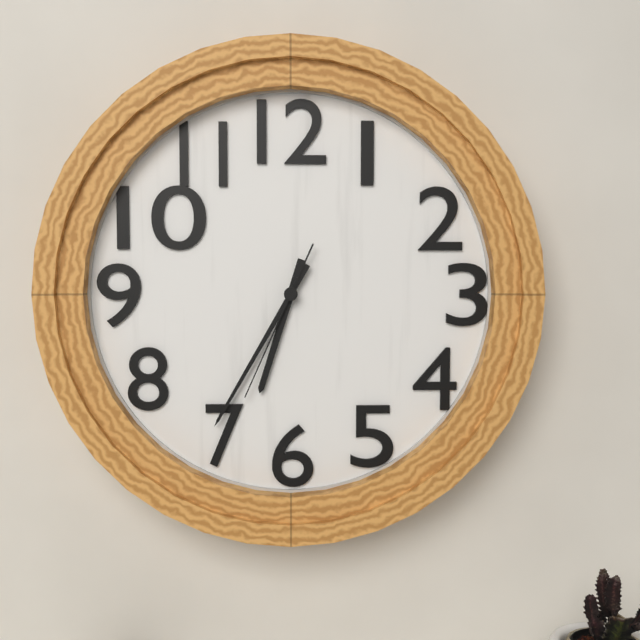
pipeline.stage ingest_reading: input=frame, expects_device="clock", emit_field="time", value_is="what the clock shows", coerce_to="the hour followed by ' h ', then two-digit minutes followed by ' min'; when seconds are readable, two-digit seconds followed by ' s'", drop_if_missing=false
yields 6 h 35 min 34 s
